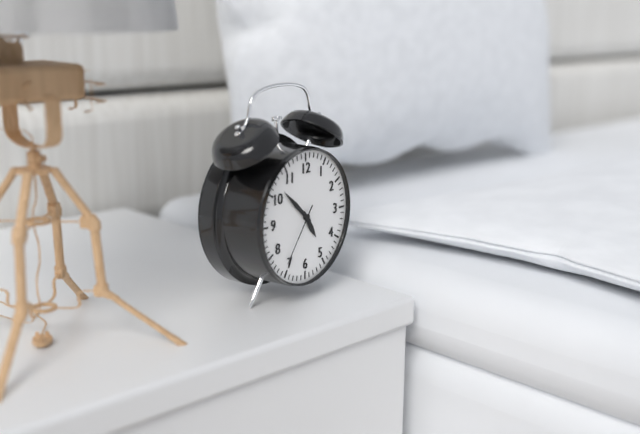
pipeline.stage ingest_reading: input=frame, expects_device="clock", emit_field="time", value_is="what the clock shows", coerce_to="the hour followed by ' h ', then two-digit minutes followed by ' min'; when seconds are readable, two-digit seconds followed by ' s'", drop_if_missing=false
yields 4 h 52 min 36 s
